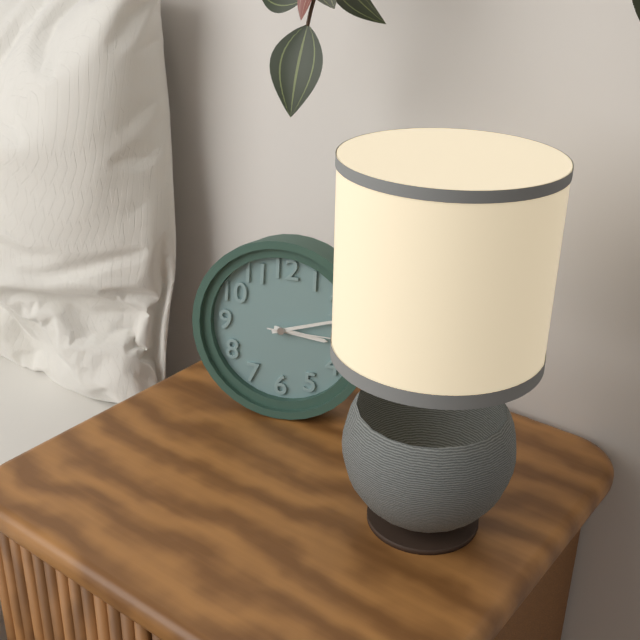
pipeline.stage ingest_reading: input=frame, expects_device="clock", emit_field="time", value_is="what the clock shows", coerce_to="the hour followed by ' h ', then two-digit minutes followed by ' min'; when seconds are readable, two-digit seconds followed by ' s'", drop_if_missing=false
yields 3 h 12 min 15 s
